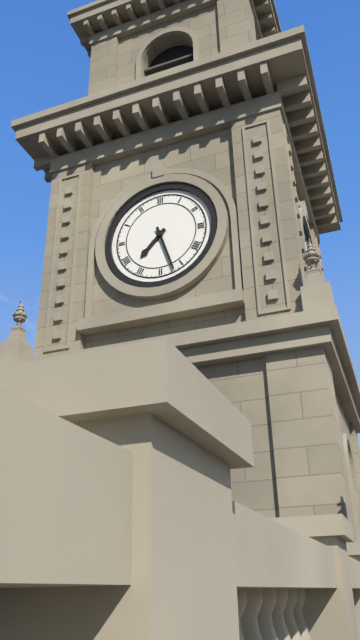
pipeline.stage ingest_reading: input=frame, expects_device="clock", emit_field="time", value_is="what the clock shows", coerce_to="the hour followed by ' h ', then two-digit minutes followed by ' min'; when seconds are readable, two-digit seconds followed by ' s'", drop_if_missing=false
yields 7 h 27 min
